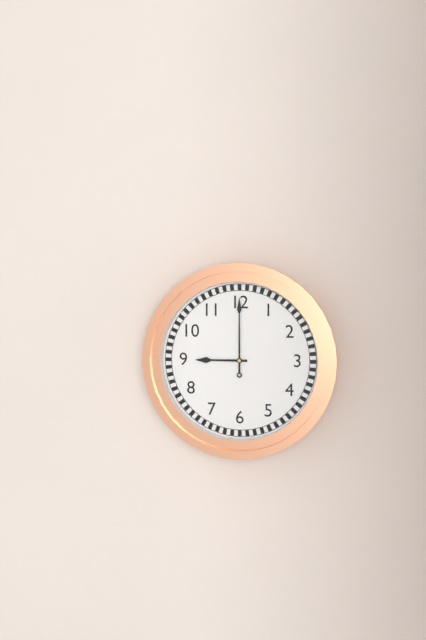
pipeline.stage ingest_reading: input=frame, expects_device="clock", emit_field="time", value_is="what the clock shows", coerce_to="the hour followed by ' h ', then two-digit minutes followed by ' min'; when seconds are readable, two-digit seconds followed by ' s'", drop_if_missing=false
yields 9 h 00 min
